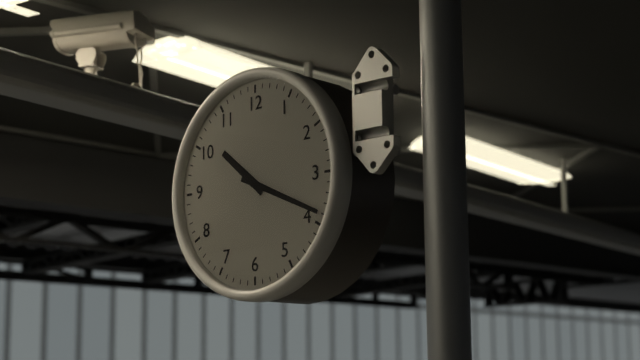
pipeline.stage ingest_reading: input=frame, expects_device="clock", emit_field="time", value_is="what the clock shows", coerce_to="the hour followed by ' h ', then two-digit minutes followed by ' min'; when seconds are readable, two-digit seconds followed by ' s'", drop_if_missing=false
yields 10 h 19 min
